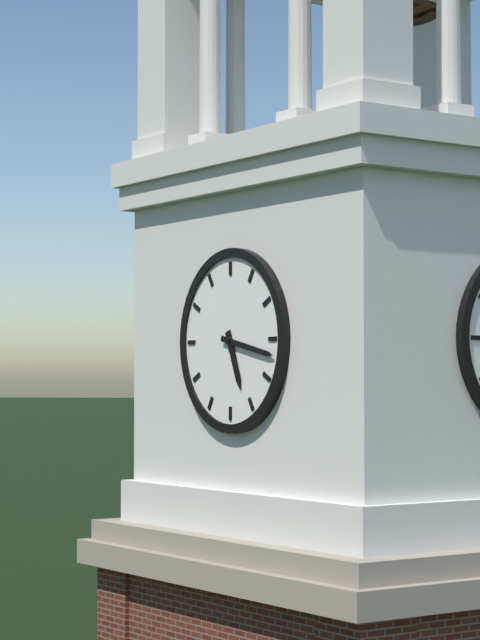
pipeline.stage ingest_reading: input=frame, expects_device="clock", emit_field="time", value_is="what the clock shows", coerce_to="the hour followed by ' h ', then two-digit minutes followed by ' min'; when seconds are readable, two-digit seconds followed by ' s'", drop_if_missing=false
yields 5 h 17 min
